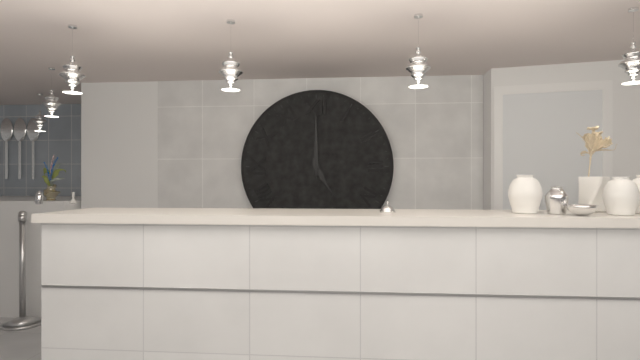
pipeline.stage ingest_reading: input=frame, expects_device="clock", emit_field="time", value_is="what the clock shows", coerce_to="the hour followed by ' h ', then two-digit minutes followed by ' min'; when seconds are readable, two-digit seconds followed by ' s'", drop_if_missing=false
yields 5 h 00 min
